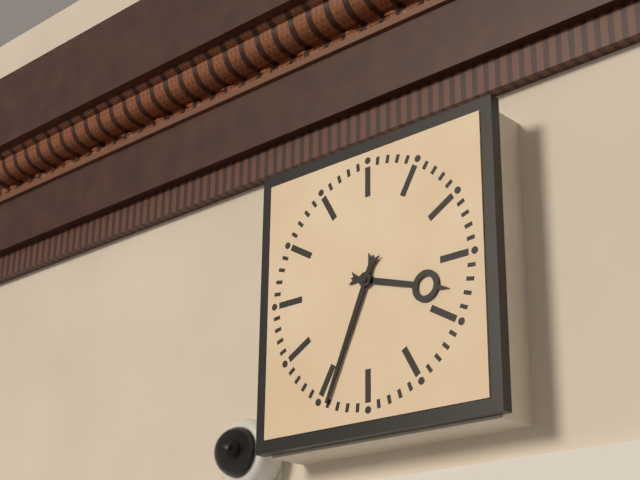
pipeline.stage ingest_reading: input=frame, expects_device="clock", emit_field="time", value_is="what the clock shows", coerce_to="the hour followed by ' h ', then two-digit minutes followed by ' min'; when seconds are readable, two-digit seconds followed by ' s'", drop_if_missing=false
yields 3 h 34 min
